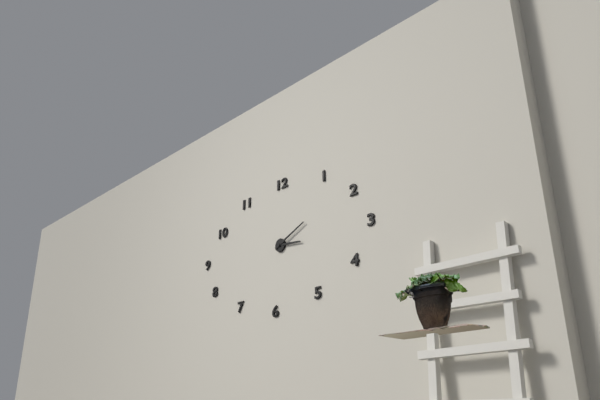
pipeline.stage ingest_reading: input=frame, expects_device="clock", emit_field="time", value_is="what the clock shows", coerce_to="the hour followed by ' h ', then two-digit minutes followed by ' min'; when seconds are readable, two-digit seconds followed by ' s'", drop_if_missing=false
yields 3 h 11 min
